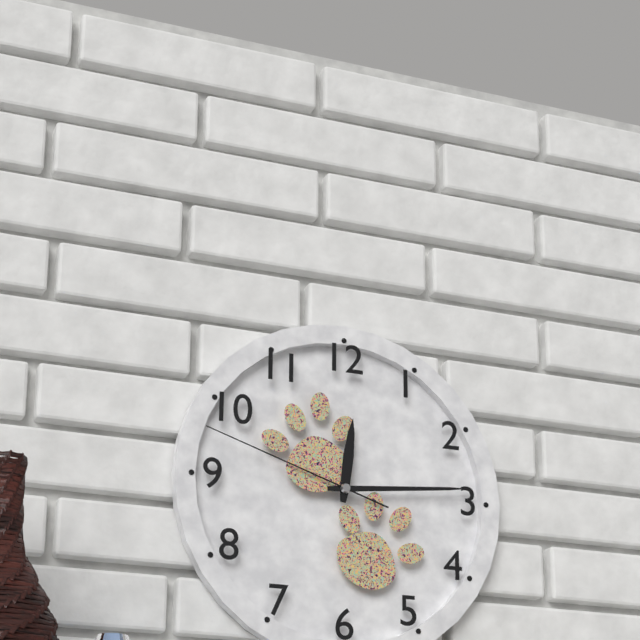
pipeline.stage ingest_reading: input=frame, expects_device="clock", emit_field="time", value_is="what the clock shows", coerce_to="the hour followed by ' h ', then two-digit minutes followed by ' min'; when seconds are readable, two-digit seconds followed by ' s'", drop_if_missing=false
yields 12 h 14 min 48 s
